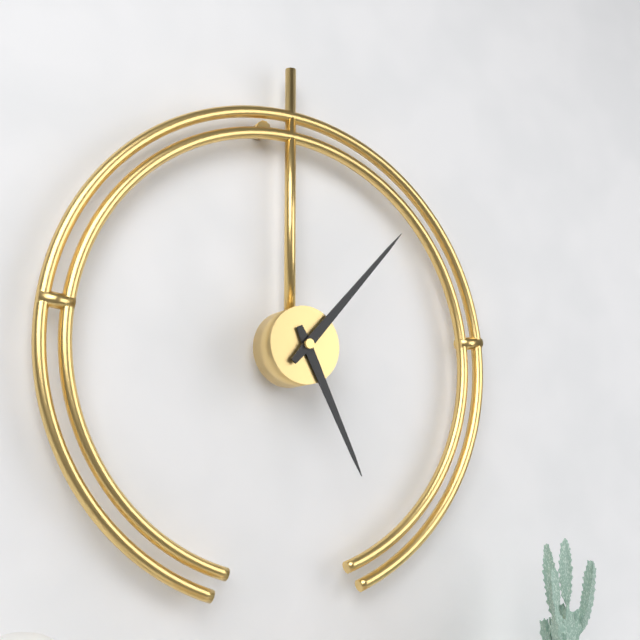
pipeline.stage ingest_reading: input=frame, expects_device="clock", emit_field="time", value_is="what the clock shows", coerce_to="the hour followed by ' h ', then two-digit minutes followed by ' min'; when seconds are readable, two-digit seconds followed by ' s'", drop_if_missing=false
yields 5 h 07 min
